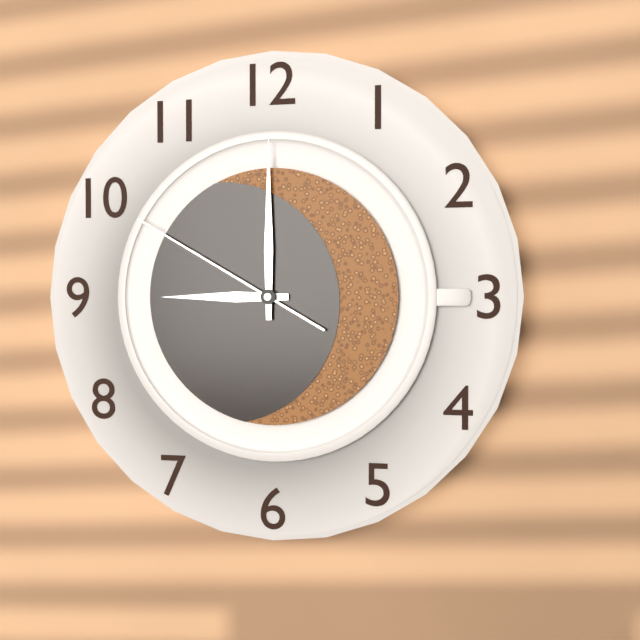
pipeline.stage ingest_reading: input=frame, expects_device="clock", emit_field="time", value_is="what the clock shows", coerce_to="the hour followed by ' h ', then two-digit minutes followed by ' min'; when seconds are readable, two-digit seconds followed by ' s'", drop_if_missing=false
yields 9 h 00 min 50 s
